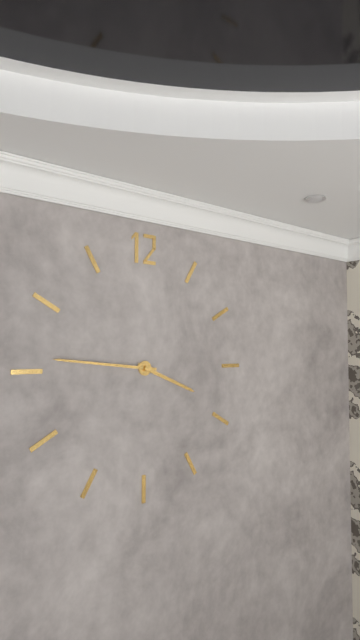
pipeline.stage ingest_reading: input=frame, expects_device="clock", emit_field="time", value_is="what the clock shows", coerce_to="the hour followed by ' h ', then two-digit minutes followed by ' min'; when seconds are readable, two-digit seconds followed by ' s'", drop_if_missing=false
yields 3 h 46 min
